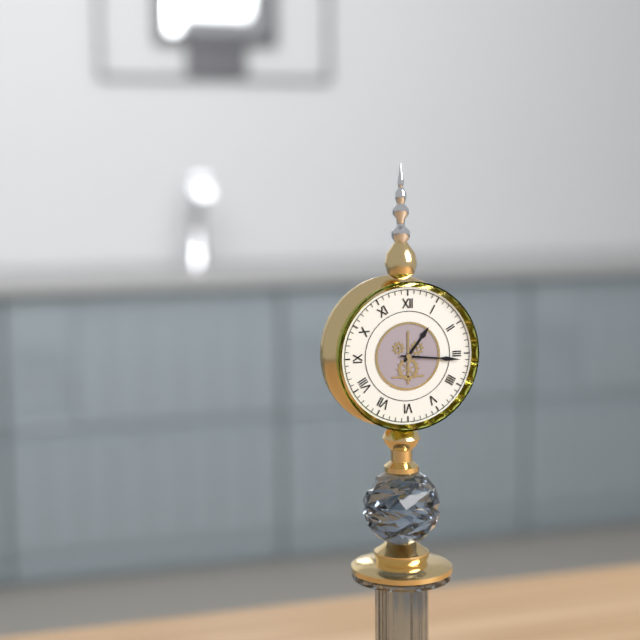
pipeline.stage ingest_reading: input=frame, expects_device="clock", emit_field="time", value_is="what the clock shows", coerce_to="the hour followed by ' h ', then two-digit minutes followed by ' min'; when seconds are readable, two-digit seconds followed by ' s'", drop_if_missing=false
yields 1 h 16 min
